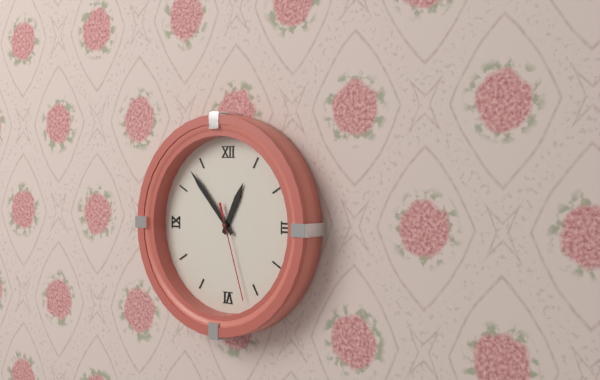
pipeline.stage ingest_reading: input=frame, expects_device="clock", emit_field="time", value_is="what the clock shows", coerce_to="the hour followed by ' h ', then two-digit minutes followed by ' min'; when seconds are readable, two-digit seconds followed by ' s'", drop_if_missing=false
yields 12 h 53 min 27 s
